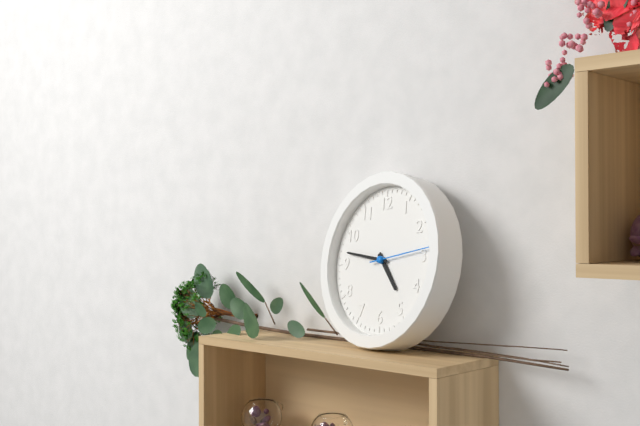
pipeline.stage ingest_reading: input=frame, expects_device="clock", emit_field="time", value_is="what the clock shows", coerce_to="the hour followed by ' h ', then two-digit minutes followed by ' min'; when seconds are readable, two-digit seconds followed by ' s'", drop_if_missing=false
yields 4 h 47 min 14 s
